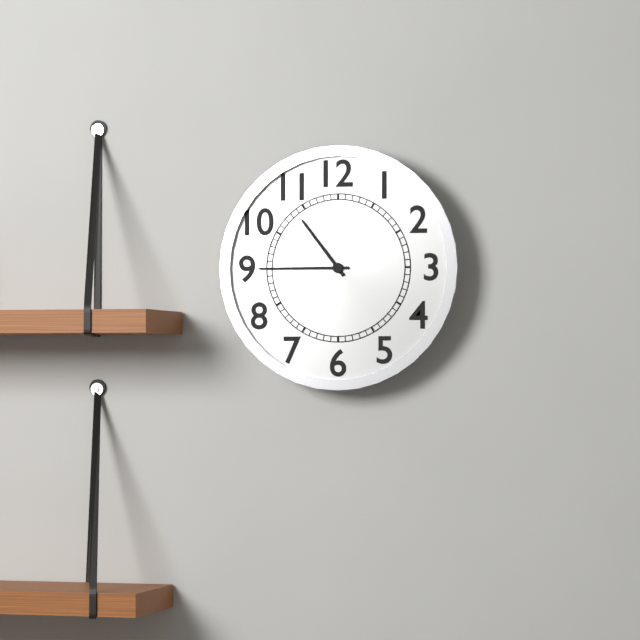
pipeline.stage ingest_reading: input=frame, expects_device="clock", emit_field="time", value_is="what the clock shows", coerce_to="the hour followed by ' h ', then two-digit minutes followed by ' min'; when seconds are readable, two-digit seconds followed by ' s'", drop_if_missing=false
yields 10 h 45 min
